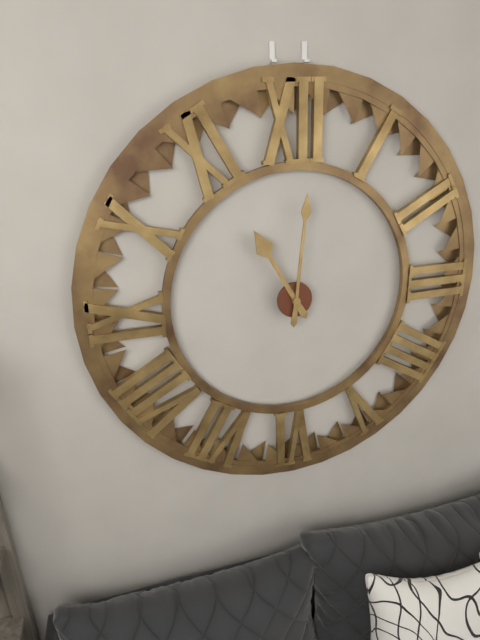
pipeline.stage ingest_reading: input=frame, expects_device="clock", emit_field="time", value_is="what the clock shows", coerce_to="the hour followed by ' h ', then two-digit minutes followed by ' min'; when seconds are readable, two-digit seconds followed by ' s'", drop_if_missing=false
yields 11 h 01 min
